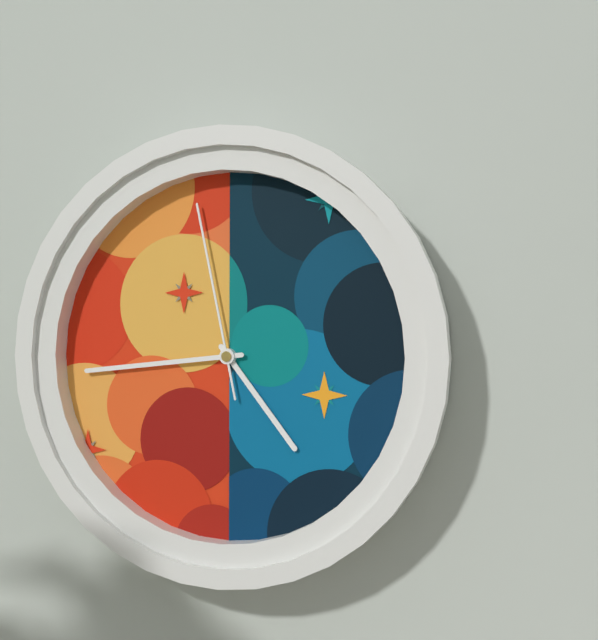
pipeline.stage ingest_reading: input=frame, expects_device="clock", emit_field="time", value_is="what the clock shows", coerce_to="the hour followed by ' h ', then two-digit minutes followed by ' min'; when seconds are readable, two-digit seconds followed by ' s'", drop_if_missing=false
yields 4 h 44 min 58 s
